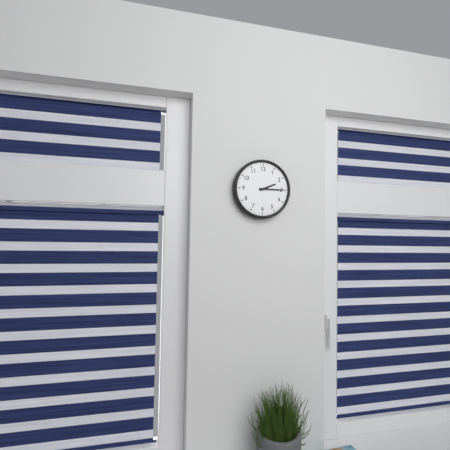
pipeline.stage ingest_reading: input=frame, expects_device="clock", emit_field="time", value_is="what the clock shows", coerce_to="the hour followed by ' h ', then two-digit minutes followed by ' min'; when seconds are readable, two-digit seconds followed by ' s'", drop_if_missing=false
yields 2 h 15 min
